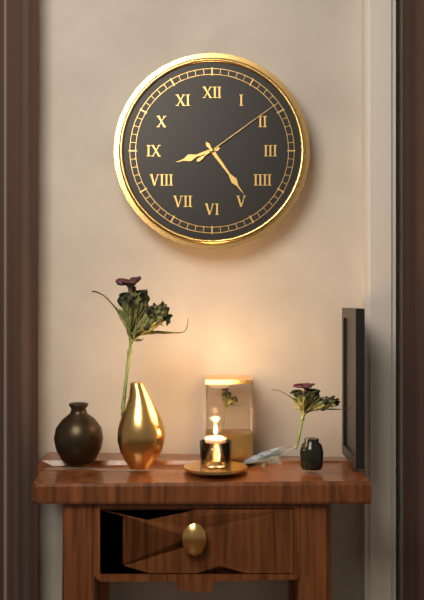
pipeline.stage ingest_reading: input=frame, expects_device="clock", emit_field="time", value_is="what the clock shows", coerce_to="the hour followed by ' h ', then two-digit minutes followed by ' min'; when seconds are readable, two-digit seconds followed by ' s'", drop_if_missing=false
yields 8 h 24 min 09 s
